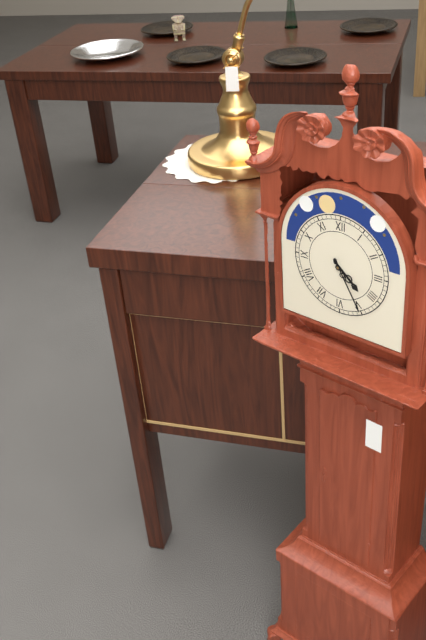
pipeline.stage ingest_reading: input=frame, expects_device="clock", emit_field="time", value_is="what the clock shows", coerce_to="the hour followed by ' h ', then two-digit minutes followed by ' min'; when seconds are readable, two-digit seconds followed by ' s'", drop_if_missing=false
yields 4 h 25 min
